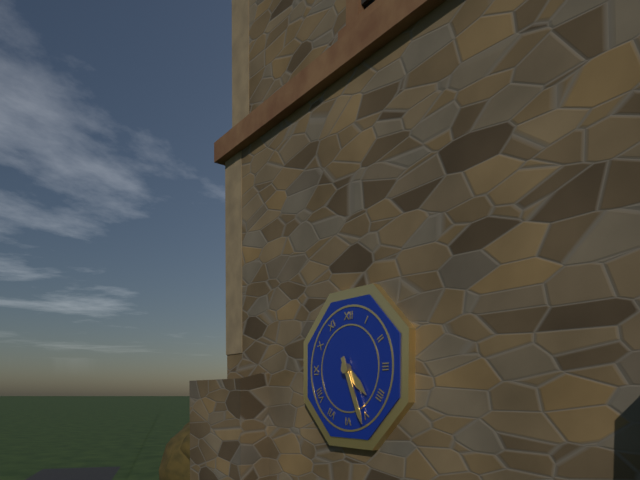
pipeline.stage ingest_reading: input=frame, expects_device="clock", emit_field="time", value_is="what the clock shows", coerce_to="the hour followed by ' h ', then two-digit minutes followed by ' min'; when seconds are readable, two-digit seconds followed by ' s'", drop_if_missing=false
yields 4 h 26 min
